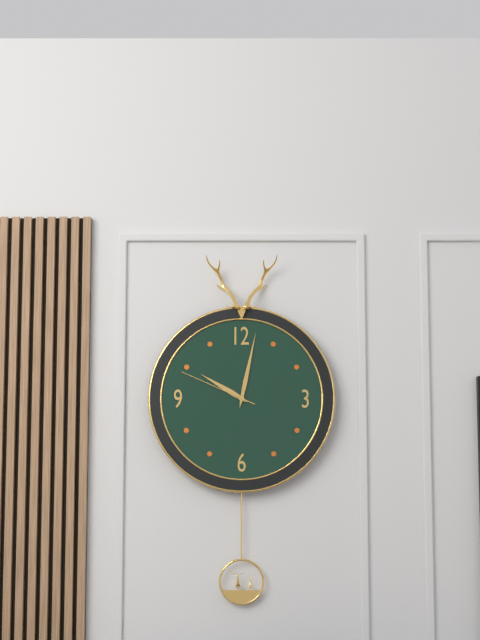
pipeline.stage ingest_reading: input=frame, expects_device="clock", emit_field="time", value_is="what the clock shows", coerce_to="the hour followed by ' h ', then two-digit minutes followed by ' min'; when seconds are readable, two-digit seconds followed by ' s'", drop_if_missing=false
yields 10 h 02 min 49 s
